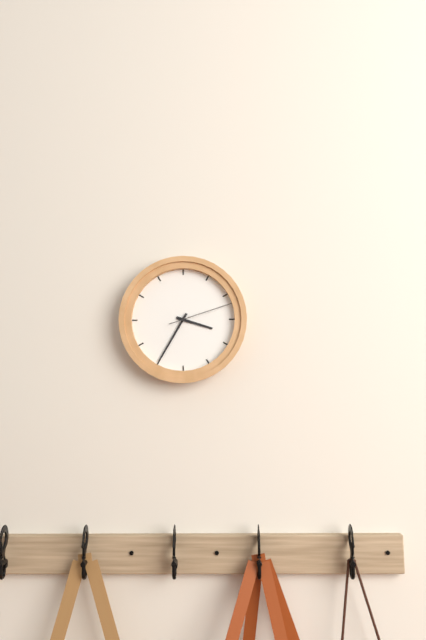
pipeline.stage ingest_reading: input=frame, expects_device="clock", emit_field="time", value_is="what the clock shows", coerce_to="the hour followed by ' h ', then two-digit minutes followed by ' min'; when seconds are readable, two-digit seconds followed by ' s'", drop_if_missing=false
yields 3 h 35 min 12 s
